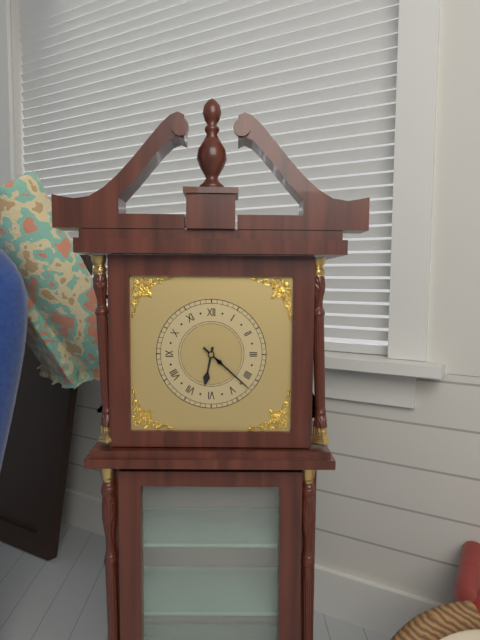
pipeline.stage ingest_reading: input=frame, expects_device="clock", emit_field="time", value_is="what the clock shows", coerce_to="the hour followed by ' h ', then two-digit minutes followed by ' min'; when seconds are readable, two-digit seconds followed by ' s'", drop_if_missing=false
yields 6 h 22 min
